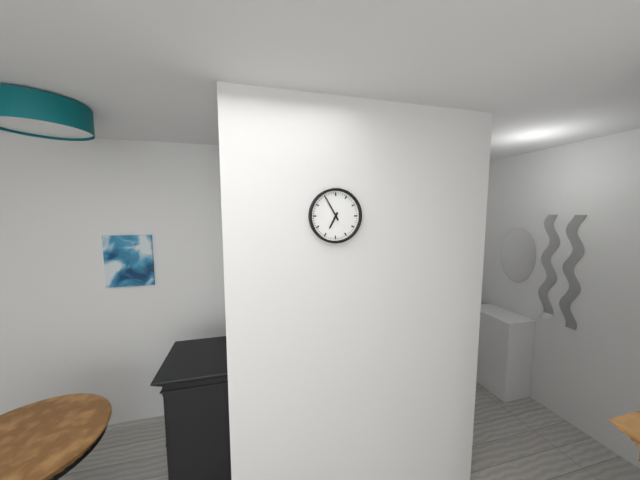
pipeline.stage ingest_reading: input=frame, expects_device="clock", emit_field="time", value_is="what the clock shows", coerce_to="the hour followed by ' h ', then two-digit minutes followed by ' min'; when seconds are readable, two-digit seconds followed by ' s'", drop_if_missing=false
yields 6 h 55 min
